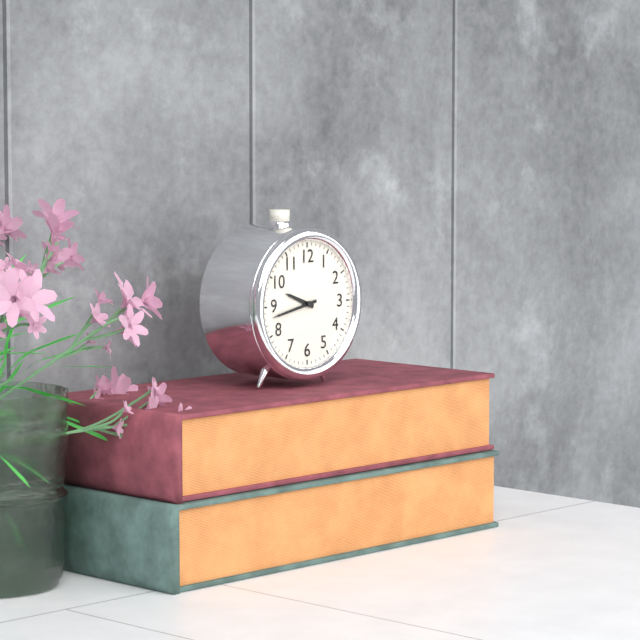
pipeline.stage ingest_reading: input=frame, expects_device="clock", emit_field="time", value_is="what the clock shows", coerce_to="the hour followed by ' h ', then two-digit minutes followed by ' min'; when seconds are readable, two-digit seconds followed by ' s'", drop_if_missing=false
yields 9 h 43 min
